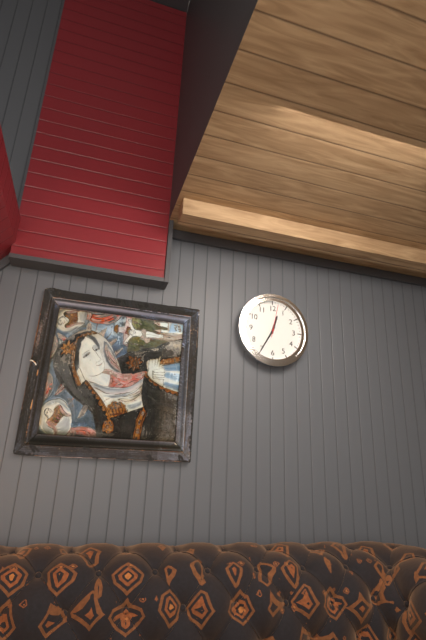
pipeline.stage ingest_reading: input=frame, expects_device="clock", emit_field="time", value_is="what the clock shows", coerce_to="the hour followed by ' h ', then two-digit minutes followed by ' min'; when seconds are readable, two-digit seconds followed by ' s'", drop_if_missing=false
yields 12 h 35 min
